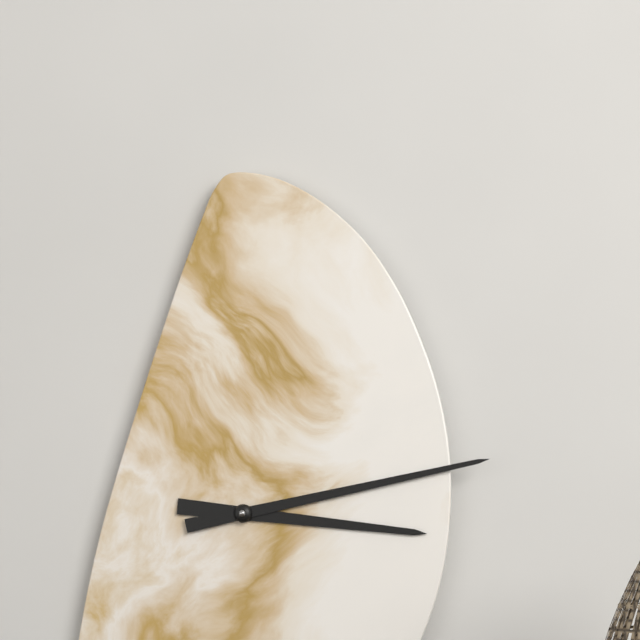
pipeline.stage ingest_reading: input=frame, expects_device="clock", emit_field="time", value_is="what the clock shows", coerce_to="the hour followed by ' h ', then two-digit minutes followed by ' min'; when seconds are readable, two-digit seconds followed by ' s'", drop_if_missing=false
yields 3 h 13 min
